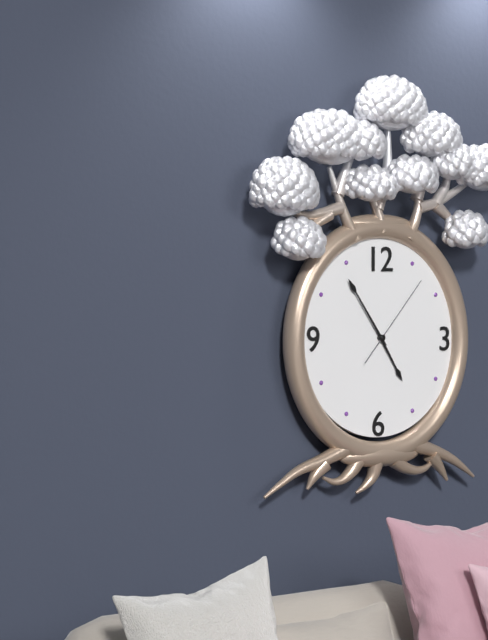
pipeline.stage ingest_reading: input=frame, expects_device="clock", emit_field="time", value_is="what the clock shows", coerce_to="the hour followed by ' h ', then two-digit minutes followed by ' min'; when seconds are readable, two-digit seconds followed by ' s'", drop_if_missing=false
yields 4 h 54 min 07 s
